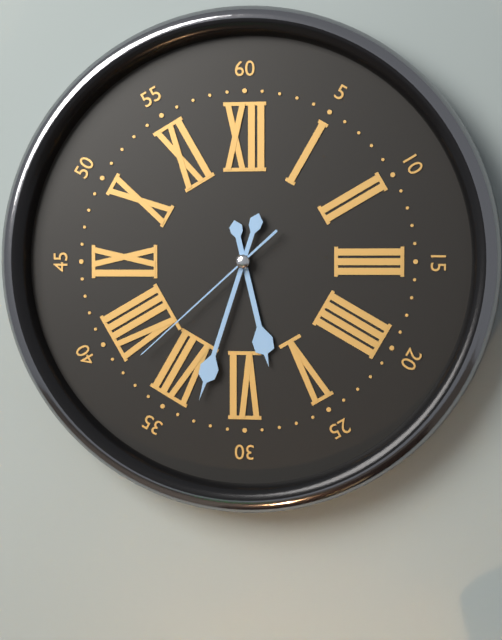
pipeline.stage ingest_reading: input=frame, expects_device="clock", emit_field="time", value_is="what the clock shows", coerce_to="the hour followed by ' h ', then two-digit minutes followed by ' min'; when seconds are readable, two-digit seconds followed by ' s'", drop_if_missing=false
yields 5 h 33 min 38 s
